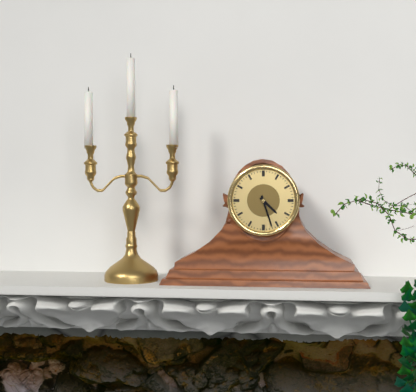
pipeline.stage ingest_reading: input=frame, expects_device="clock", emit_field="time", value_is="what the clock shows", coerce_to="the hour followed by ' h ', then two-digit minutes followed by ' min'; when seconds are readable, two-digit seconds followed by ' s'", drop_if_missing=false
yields 4 h 27 min
